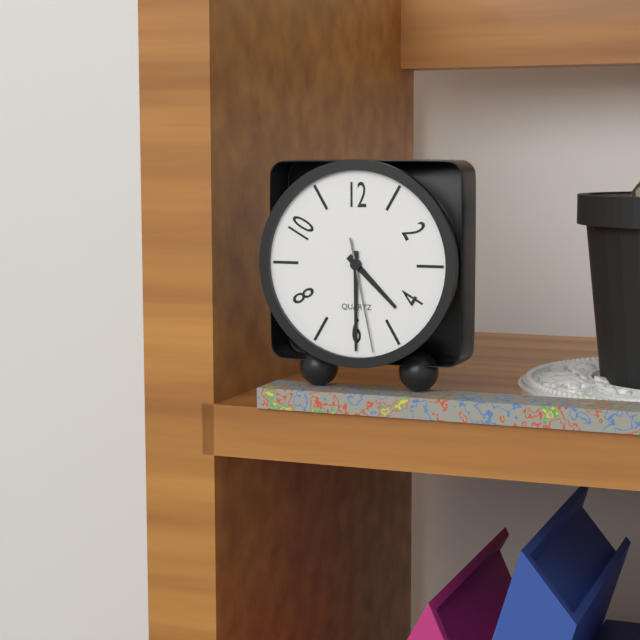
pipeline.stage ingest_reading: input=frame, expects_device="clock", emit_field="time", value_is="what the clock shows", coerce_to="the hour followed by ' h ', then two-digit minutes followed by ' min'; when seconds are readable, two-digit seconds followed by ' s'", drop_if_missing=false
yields 4 h 30 min 28 s
